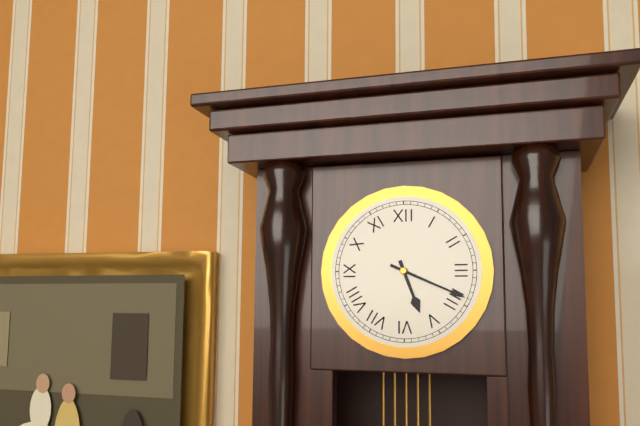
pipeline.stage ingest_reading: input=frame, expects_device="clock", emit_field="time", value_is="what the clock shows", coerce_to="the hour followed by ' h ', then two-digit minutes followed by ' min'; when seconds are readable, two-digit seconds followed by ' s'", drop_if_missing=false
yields 5 h 19 min
